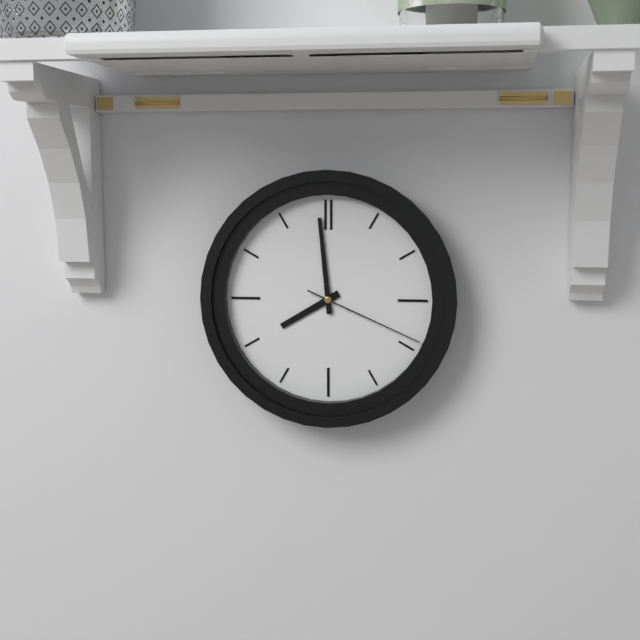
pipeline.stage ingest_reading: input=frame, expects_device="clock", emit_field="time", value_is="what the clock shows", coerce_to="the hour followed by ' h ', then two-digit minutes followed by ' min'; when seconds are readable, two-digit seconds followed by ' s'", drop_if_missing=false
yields 7 h 59 min 19 s
